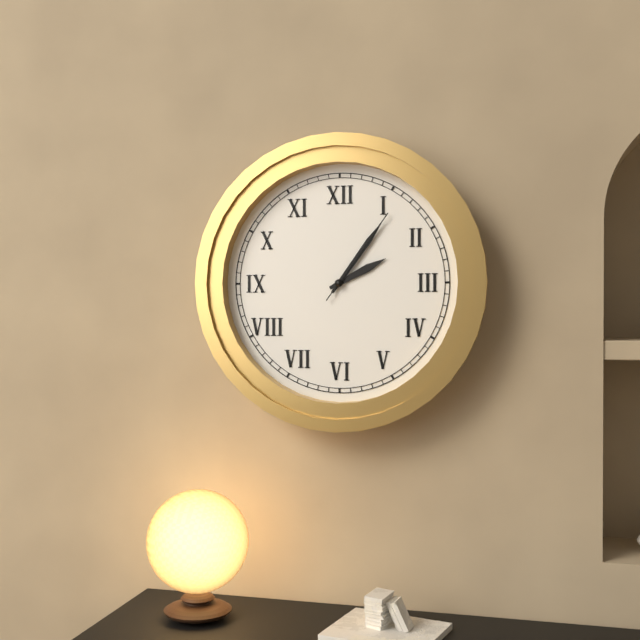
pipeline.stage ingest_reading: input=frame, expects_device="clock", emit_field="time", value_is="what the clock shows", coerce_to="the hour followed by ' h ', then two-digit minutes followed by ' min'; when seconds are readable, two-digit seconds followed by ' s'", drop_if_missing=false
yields 2 h 06 min 06 s
